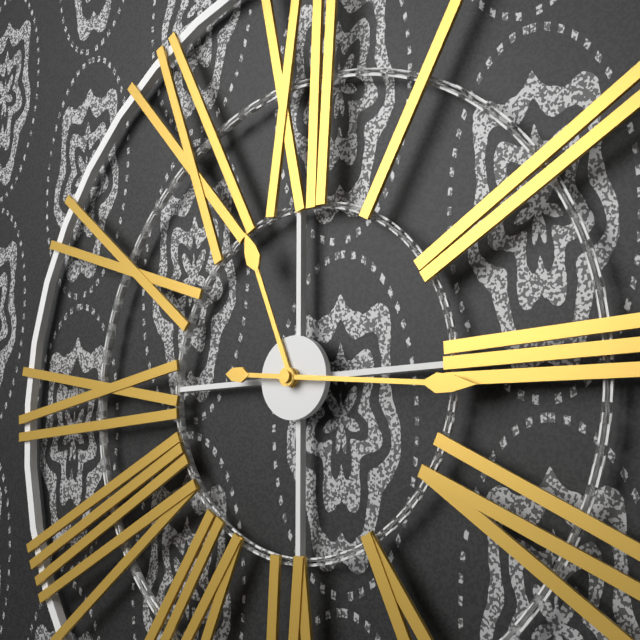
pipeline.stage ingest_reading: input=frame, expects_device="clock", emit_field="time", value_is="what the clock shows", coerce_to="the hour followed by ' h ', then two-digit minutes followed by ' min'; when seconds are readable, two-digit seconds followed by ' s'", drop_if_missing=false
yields 11 h 16 min
